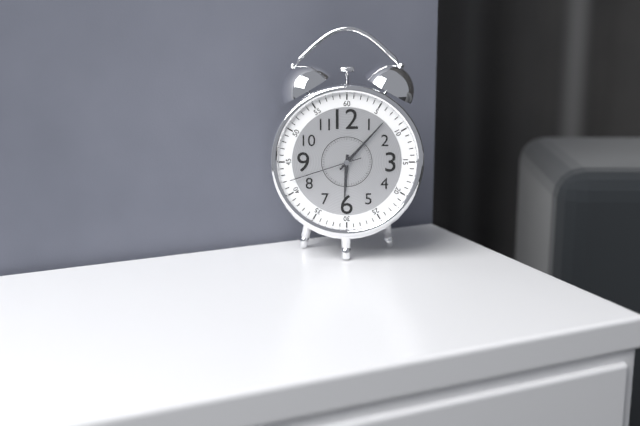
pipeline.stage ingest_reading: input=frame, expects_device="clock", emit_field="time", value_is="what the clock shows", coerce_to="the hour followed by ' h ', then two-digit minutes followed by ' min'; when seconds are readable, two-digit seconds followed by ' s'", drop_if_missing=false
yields 6 h 07 min 42 s
